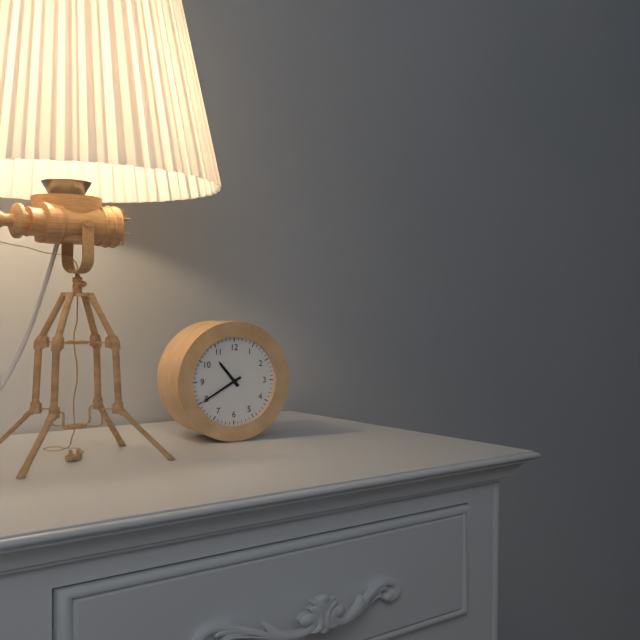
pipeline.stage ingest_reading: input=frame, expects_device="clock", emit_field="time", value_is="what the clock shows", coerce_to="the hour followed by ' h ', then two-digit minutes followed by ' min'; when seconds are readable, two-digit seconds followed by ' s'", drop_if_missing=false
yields 10 h 40 min
